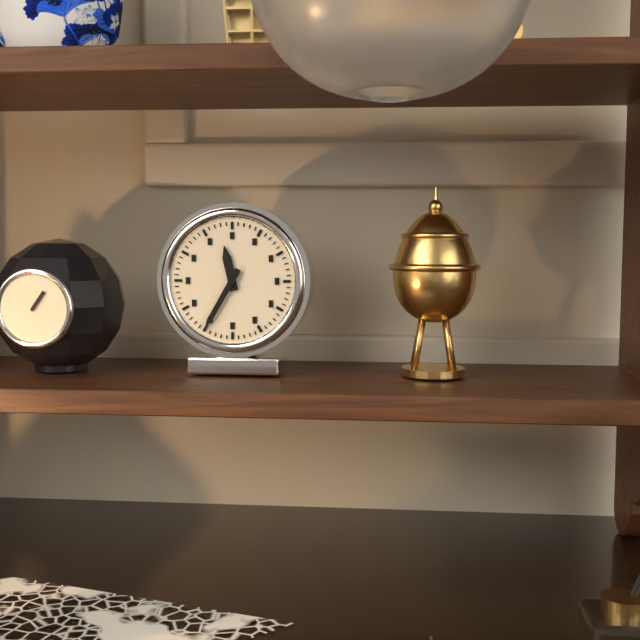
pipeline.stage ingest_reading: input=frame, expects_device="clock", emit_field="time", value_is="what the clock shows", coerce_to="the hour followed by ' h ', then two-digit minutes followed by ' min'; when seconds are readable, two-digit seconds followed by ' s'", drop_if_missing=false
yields 11 h 35 min
